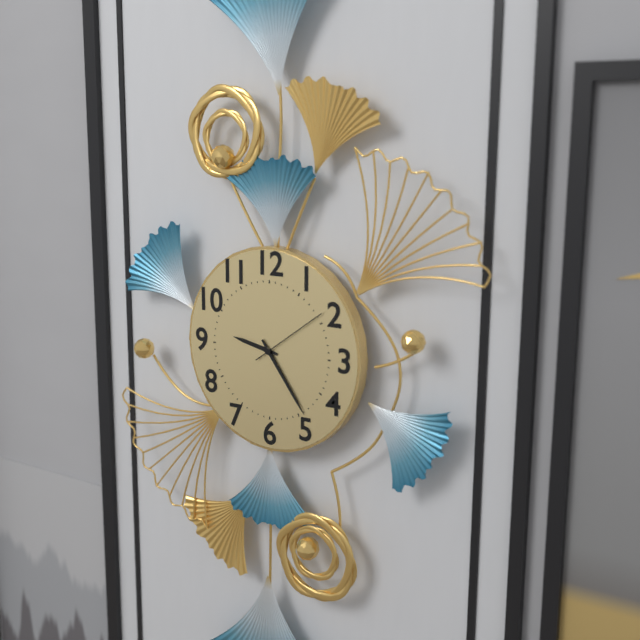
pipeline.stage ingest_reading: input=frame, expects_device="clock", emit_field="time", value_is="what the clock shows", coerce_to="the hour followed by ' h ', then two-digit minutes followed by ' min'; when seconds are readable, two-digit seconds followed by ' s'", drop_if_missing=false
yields 9 h 24 min 09 s
